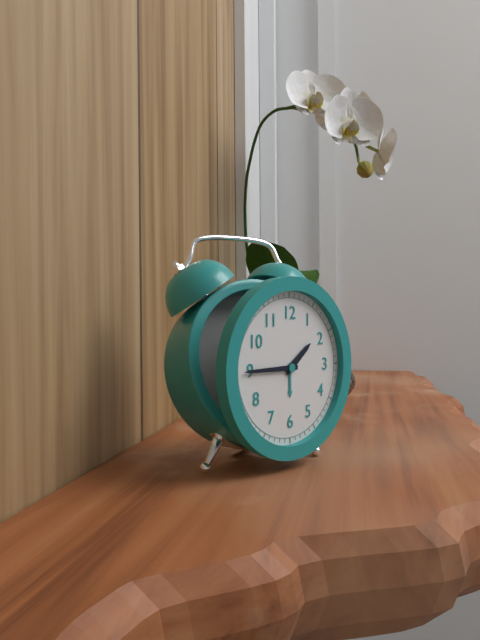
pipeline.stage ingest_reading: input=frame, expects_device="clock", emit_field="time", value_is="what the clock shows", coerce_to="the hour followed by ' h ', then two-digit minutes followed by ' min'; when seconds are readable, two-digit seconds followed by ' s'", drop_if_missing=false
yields 1 h 45 min
